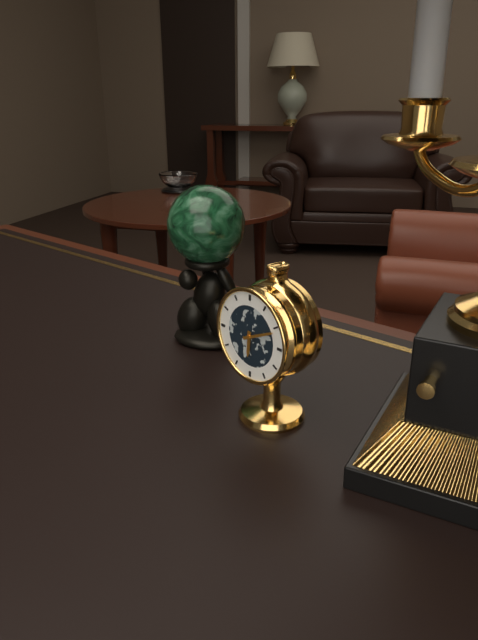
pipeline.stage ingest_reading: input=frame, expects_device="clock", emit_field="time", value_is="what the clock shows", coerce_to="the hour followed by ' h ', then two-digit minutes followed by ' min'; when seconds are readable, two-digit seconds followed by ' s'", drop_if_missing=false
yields 6 h 11 min
